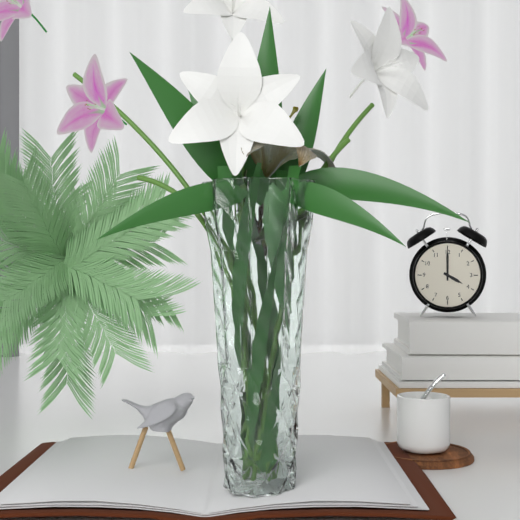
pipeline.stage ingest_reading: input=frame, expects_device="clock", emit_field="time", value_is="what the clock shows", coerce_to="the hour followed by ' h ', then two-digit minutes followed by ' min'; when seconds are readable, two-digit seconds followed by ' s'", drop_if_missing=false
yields 4 h 00 min
